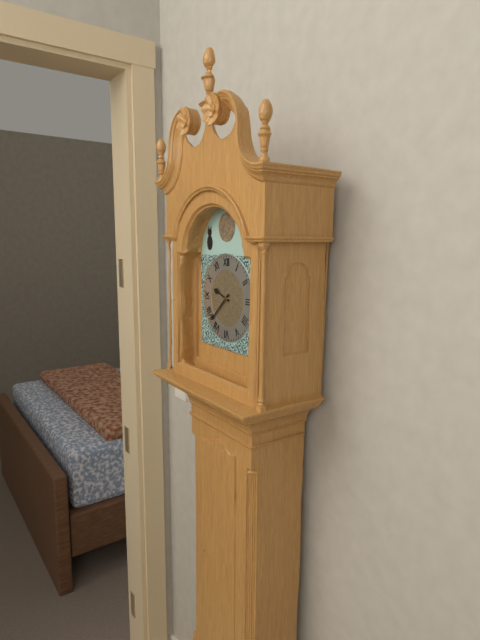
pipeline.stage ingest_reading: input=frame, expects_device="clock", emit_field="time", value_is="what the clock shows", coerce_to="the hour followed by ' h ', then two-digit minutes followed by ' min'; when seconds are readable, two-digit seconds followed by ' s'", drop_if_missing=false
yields 9 h 38 min
